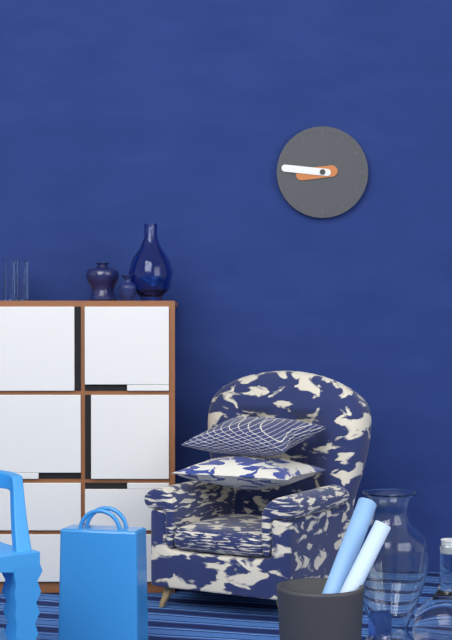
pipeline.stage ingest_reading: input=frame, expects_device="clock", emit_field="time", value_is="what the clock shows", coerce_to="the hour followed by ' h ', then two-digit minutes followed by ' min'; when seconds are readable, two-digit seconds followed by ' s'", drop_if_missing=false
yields 8 h 46 min
